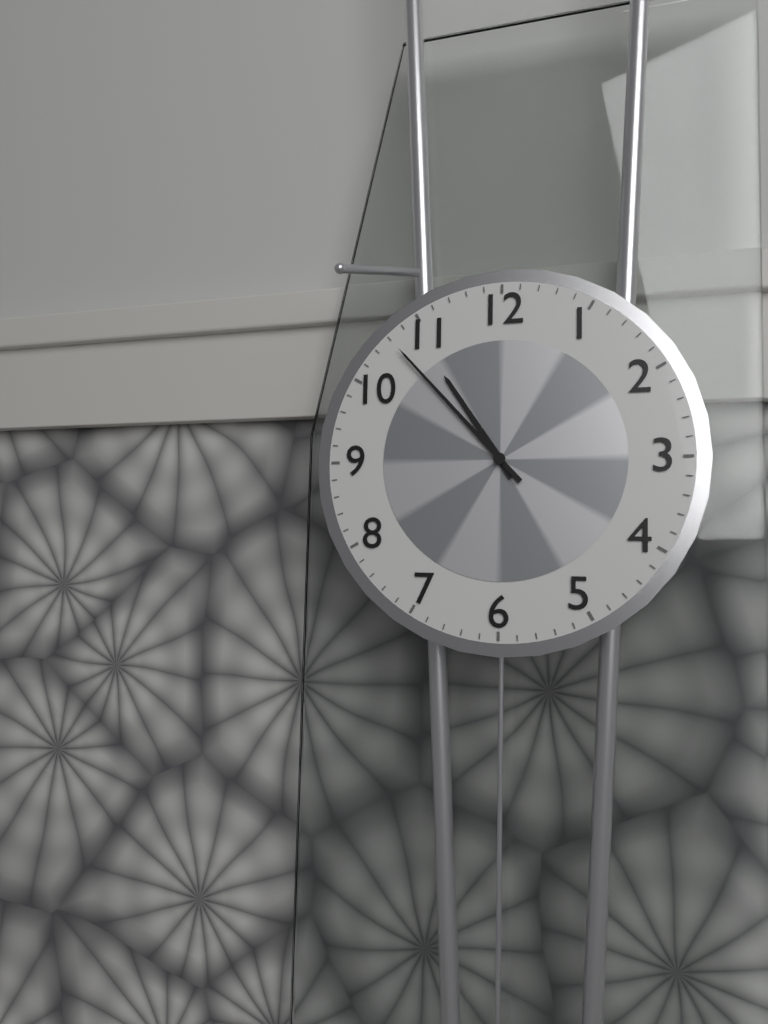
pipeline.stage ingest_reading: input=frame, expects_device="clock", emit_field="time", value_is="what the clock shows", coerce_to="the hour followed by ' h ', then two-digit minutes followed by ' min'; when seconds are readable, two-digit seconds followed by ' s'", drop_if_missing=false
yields 10 h 53 min
